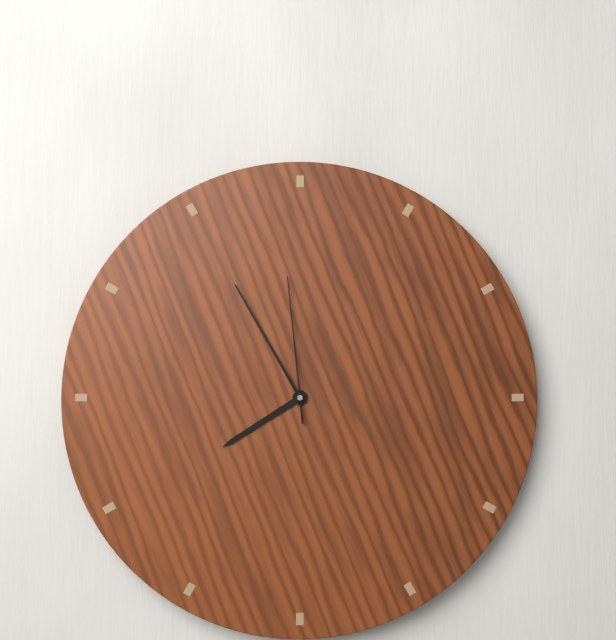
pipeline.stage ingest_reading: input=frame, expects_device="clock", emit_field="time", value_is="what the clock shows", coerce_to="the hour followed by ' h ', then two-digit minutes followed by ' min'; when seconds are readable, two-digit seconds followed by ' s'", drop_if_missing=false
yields 7 h 55 min 59 s
